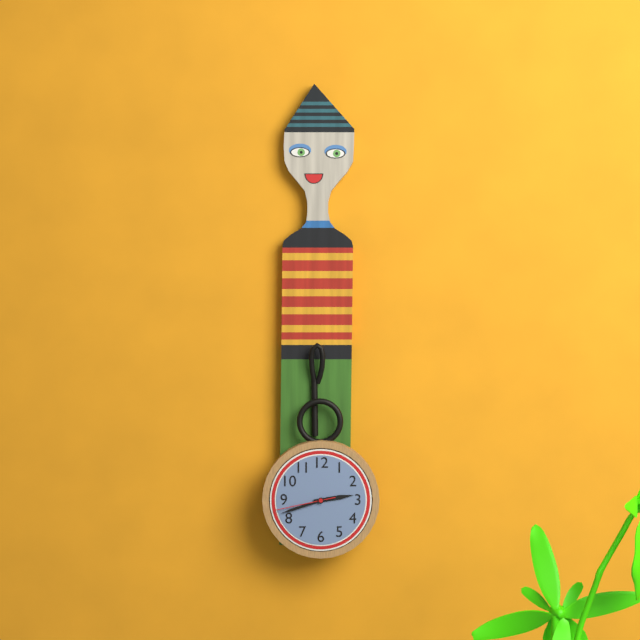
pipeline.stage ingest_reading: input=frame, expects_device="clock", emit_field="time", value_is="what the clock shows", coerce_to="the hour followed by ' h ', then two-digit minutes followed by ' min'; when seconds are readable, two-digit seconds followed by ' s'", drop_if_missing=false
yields 2 h 42 min 43 s
